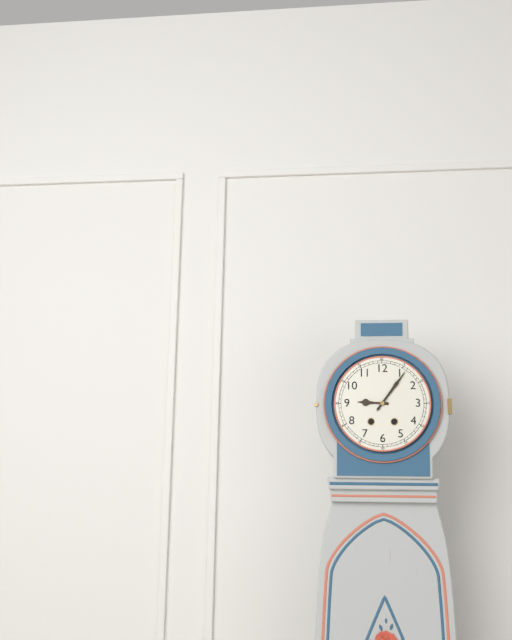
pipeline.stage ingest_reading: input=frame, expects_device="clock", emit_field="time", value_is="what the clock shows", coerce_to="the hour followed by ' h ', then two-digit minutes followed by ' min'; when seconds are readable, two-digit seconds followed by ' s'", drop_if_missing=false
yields 9 h 06 min
